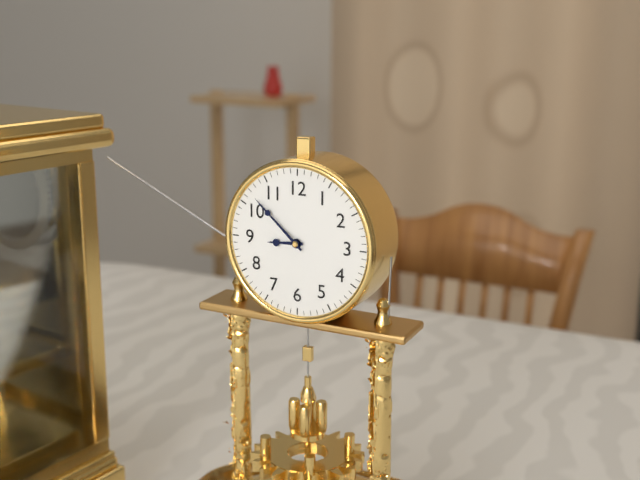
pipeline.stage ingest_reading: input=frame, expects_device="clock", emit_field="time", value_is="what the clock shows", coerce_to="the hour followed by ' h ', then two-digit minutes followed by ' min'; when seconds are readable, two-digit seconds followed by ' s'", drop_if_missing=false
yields 8 h 52 min
